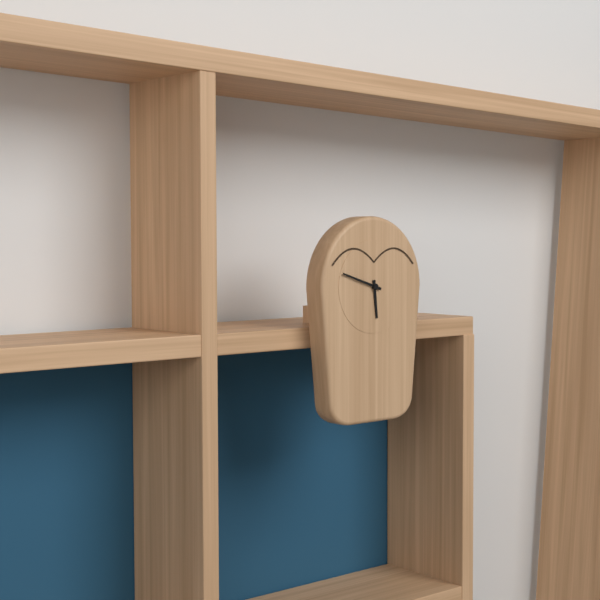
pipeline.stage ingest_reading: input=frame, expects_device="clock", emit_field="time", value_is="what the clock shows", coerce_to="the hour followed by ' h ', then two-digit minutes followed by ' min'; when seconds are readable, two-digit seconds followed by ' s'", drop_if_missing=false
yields 5 h 48 min
